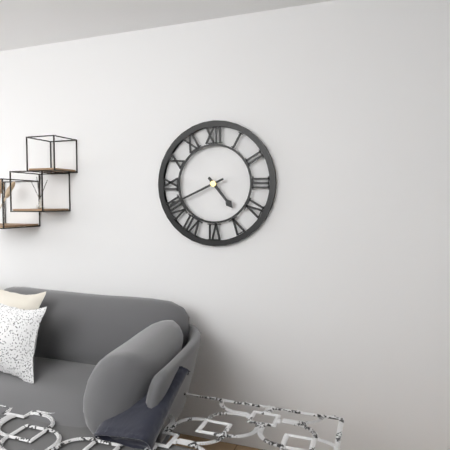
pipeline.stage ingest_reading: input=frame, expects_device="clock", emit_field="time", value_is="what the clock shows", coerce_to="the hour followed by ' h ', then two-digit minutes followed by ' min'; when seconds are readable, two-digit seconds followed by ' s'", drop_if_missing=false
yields 4 h 41 min
